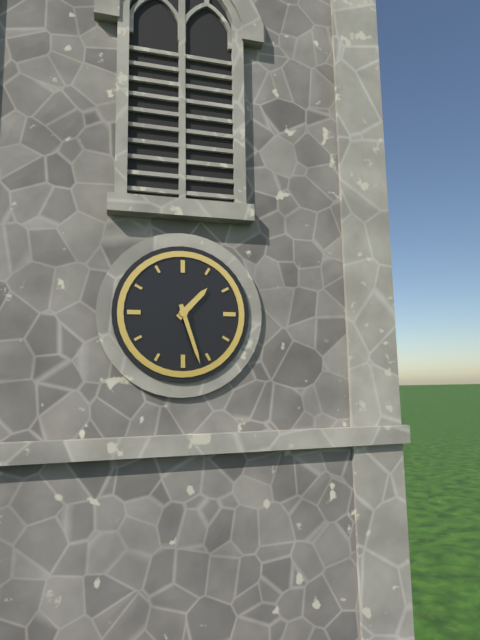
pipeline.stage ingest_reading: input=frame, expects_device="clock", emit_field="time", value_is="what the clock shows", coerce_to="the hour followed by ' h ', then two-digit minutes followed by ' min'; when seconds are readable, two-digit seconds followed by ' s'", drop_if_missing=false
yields 1 h 27 min
